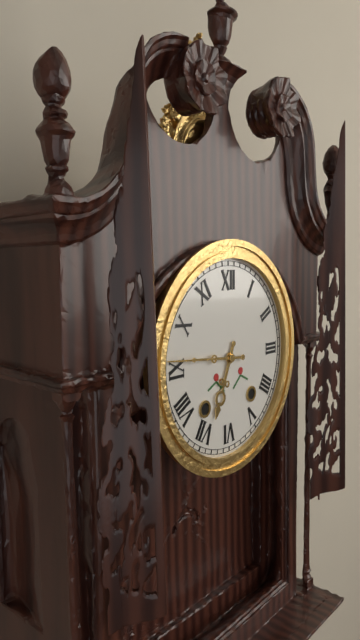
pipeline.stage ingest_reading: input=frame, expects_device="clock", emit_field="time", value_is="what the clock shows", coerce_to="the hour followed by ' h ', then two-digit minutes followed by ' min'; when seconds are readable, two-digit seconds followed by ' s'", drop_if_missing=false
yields 6 h 46 min
